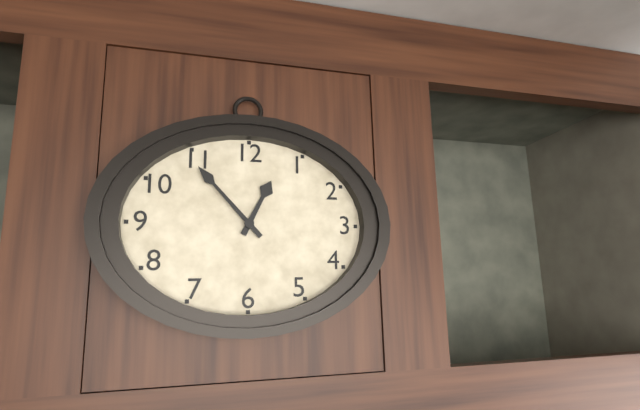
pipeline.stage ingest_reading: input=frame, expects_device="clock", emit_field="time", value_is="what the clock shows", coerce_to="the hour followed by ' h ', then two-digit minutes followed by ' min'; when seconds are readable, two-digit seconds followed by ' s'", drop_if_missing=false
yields 12 h 53 min
